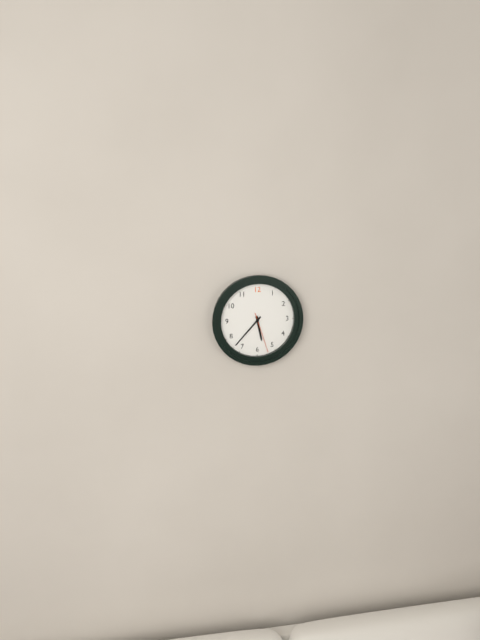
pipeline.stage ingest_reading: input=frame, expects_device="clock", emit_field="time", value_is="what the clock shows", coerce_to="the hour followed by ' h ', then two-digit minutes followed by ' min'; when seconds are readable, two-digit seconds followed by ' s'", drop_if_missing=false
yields 5 h 37 min
